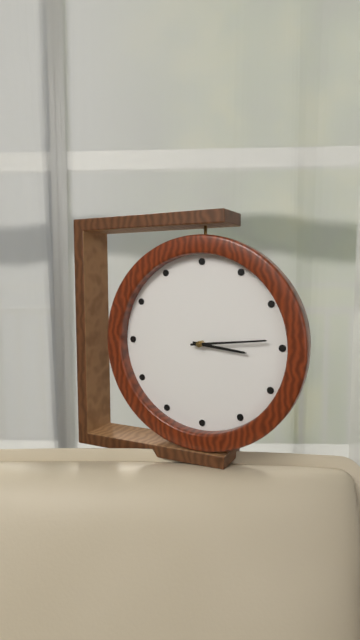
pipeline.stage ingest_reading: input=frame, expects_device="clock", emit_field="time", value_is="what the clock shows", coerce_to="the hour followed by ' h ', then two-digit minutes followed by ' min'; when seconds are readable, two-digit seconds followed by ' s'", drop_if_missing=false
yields 3 h 14 min
